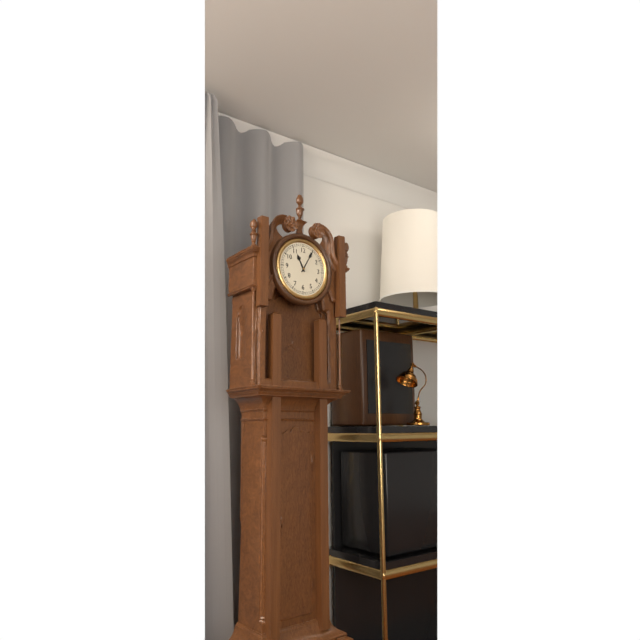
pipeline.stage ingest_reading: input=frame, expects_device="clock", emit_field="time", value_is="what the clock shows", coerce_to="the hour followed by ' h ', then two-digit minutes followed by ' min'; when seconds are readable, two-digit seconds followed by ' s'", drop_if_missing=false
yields 11 h 05 min
